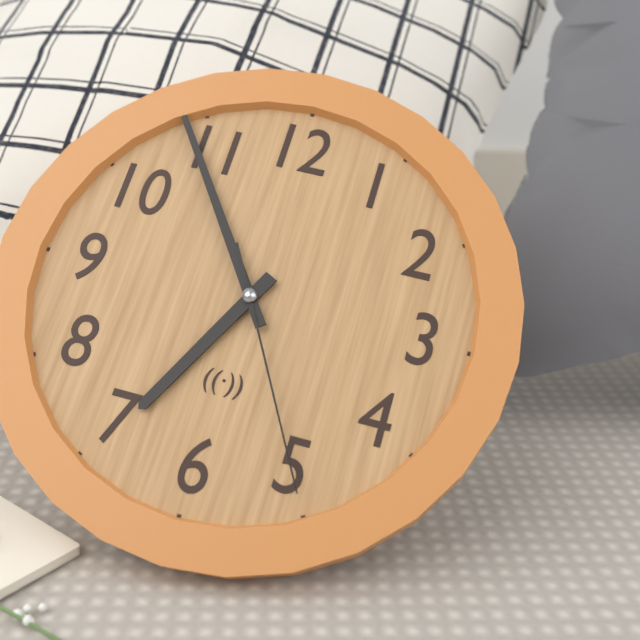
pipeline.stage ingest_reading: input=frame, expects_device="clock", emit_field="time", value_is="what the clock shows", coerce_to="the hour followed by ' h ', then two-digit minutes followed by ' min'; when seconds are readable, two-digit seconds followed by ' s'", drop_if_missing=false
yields 6 h 54 min 25 s
